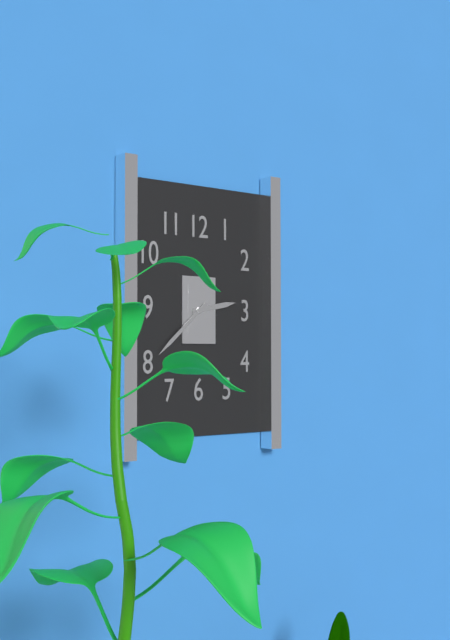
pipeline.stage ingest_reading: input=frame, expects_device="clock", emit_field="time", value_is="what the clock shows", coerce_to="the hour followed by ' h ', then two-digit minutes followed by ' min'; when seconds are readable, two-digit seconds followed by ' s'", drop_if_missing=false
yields 2 h 38 min
